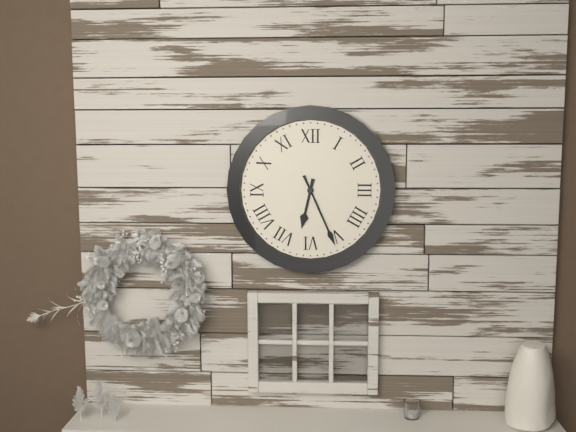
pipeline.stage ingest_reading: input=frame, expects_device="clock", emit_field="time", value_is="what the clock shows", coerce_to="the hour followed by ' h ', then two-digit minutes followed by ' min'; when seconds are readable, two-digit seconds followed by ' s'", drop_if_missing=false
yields 6 h 26 min
